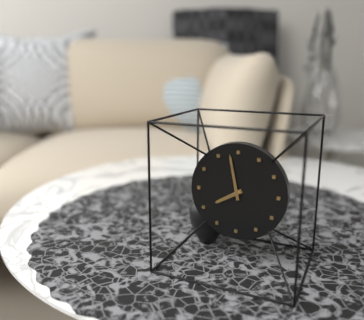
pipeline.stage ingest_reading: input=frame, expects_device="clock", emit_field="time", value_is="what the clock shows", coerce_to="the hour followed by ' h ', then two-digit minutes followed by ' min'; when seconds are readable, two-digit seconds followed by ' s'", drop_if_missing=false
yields 7 h 58 min
